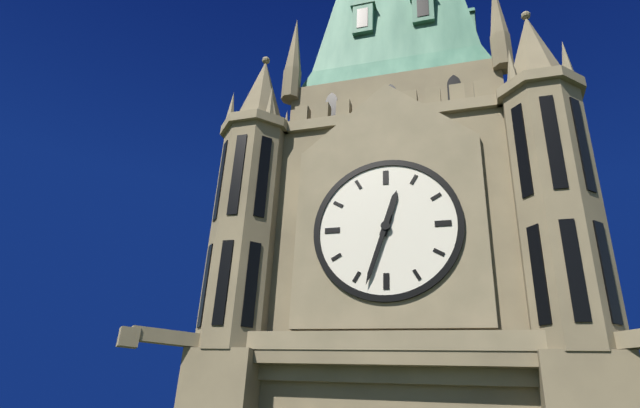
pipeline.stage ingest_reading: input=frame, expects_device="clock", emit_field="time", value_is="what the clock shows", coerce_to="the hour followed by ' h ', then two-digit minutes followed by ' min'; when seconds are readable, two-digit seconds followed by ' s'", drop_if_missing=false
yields 12 h 33 min
